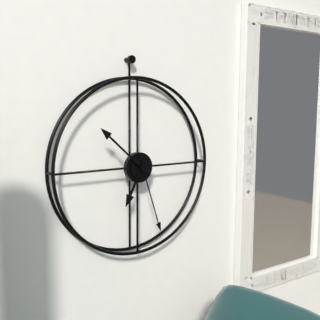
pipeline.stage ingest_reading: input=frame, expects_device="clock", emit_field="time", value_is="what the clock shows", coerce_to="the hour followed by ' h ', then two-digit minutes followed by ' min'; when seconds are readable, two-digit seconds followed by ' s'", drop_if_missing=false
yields 6 h 52 min 27 s
